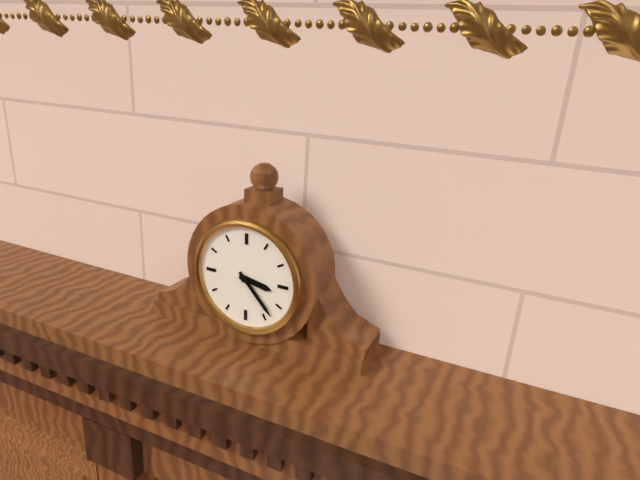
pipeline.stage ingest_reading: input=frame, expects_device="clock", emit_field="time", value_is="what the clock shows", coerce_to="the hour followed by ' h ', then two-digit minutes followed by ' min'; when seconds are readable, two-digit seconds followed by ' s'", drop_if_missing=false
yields 3 h 23 min
